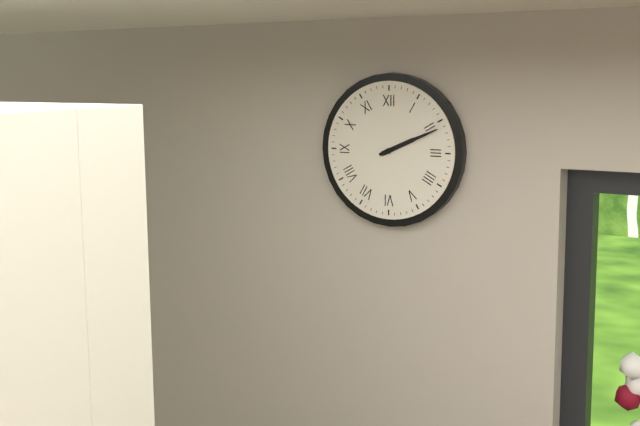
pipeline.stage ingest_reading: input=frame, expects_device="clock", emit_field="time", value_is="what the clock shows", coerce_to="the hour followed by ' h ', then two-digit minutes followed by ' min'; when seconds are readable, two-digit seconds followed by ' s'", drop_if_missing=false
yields 2 h 11 min
